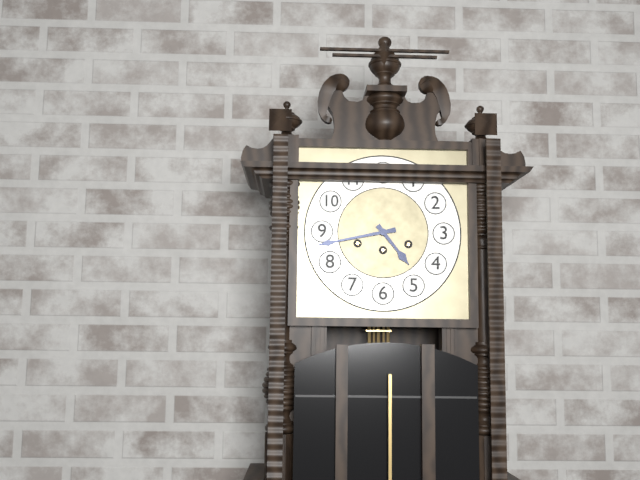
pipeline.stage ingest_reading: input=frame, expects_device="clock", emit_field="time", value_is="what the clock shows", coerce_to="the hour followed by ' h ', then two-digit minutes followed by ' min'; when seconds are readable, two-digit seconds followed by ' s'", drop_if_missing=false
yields 4 h 43 min
